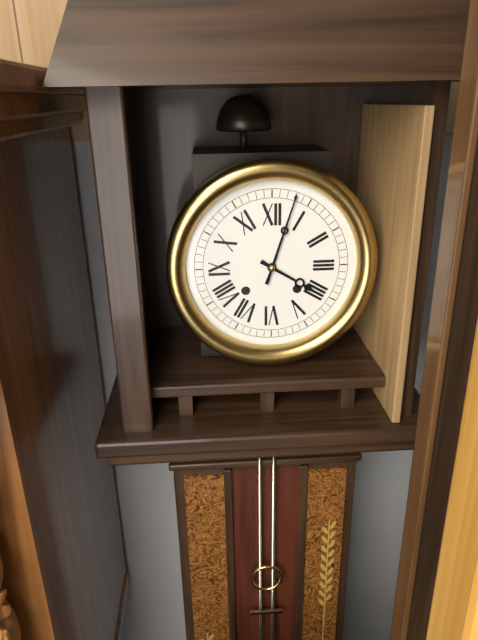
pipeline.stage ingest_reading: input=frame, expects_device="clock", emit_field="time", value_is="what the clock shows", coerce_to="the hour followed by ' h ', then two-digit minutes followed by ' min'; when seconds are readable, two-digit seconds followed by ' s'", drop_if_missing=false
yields 4 h 03 min
